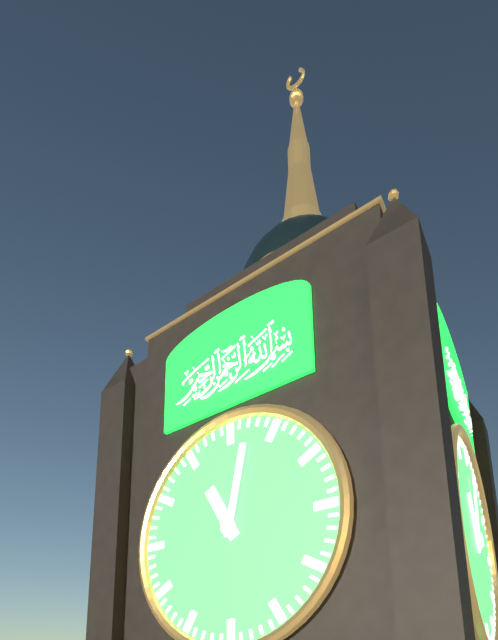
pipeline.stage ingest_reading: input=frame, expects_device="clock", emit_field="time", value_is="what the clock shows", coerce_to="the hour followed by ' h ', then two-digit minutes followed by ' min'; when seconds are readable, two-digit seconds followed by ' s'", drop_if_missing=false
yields 11 h 02 min
